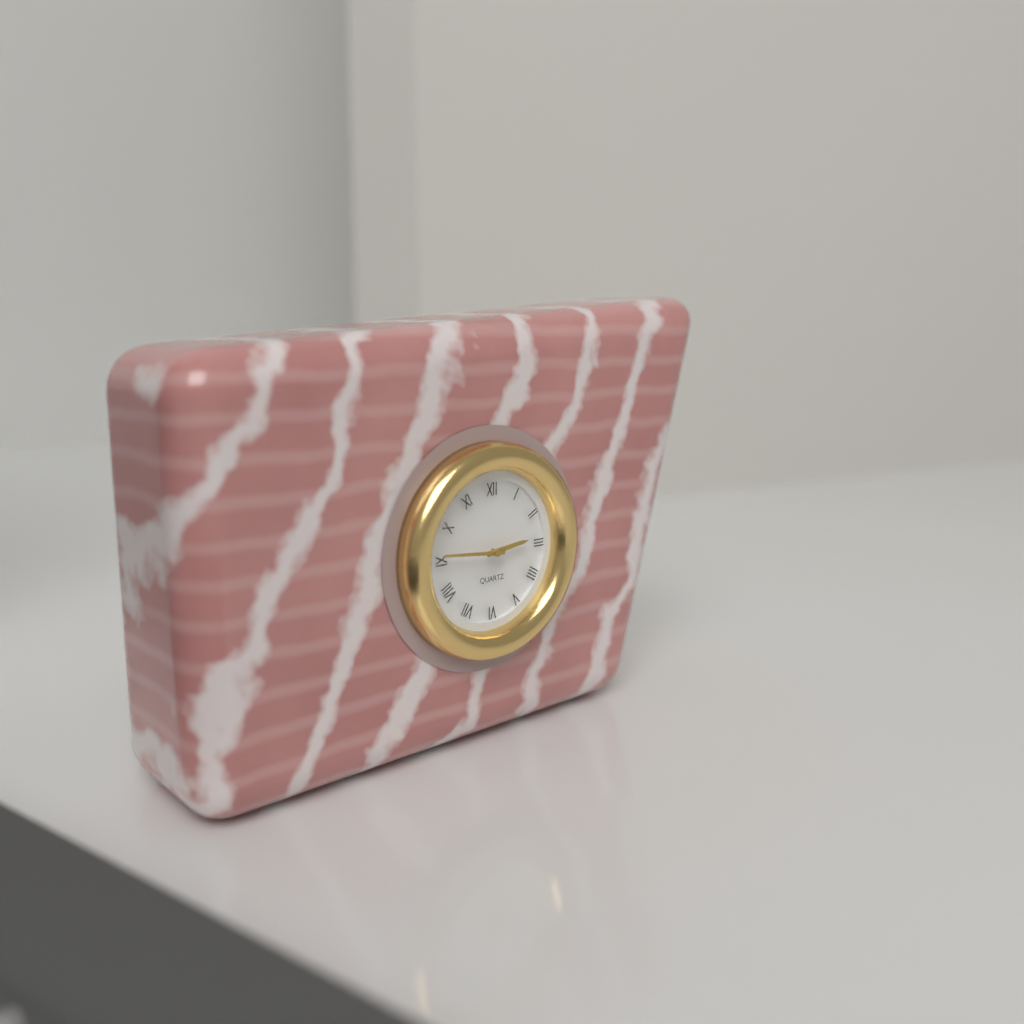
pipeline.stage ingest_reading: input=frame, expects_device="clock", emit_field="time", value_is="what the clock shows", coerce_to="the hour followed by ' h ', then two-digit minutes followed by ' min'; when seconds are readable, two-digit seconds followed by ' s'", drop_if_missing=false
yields 2 h 46 min
